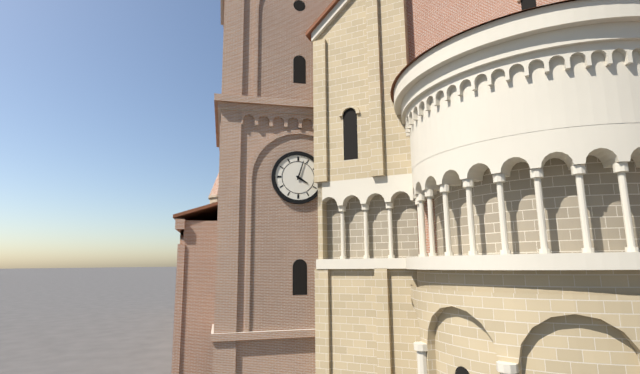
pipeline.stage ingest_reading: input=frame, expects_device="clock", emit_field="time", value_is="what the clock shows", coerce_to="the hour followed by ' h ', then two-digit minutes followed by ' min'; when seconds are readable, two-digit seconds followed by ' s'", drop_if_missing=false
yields 4 h 03 min
